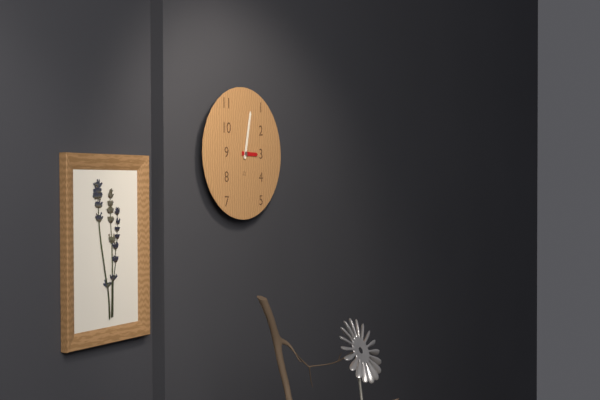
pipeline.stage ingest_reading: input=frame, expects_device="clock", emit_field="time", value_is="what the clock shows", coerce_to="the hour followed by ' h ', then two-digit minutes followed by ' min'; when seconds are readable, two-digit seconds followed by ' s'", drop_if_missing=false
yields 3 h 02 min
